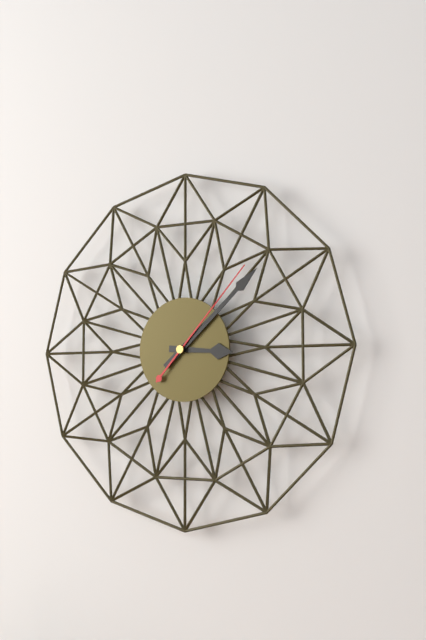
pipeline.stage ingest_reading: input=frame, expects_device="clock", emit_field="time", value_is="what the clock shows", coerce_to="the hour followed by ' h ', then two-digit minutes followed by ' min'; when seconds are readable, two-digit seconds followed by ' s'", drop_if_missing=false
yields 3 h 08 min 07 s
